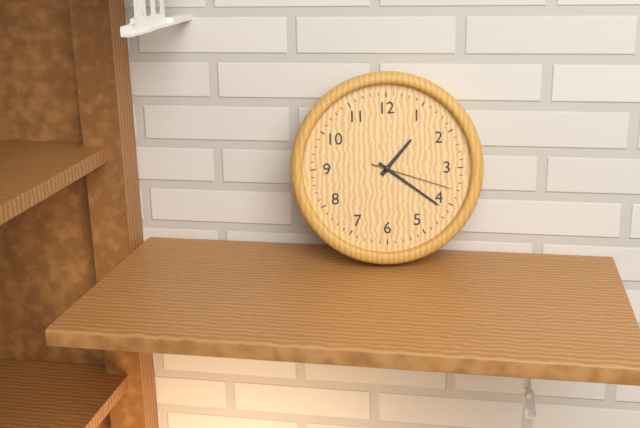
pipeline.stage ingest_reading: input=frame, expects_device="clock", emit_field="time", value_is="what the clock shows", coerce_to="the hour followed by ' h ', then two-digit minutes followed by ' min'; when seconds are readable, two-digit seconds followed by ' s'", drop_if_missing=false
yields 1 h 21 min 18 s
